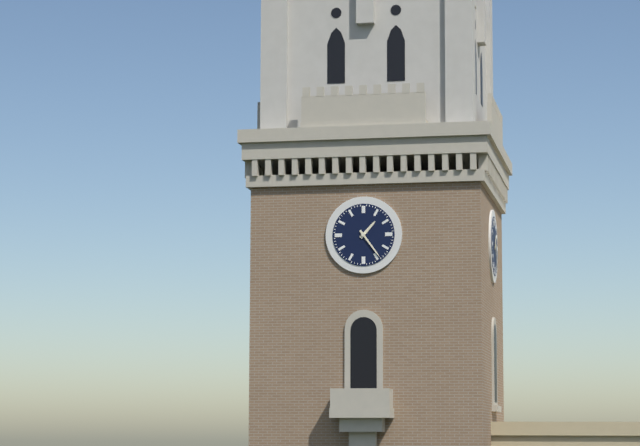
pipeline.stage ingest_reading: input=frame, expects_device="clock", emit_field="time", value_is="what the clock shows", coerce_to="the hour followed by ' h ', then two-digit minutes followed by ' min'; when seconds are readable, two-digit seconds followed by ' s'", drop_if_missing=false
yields 1 h 24 min
